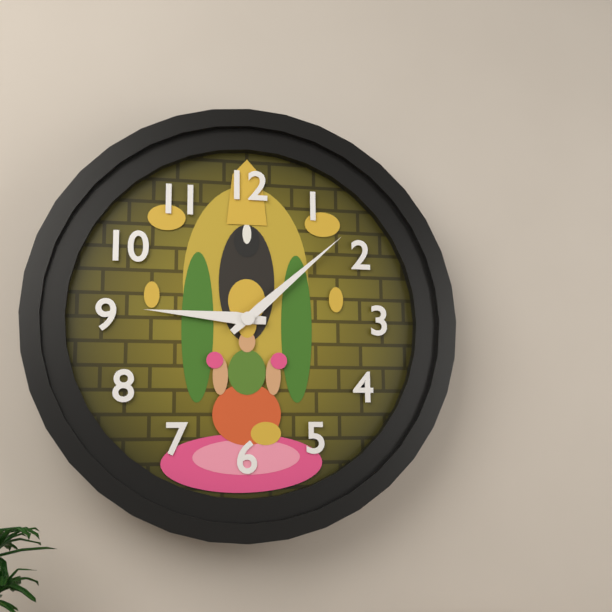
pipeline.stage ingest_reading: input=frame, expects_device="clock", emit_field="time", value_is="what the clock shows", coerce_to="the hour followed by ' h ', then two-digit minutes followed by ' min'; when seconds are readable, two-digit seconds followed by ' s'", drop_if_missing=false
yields 9 h 08 min
